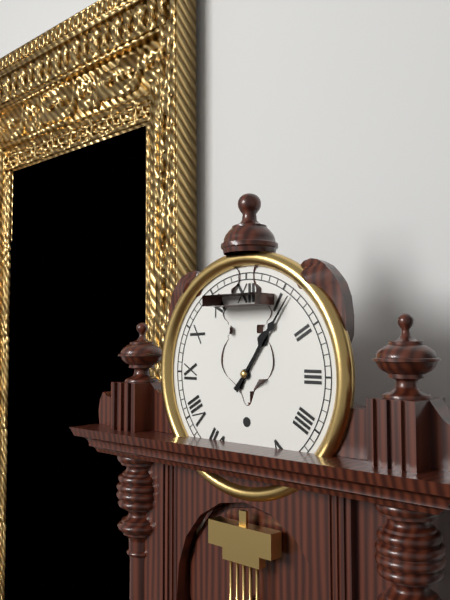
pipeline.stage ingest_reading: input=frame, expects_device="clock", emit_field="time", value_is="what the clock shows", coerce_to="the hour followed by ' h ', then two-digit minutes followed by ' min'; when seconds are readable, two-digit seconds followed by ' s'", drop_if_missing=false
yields 1 h 06 min
